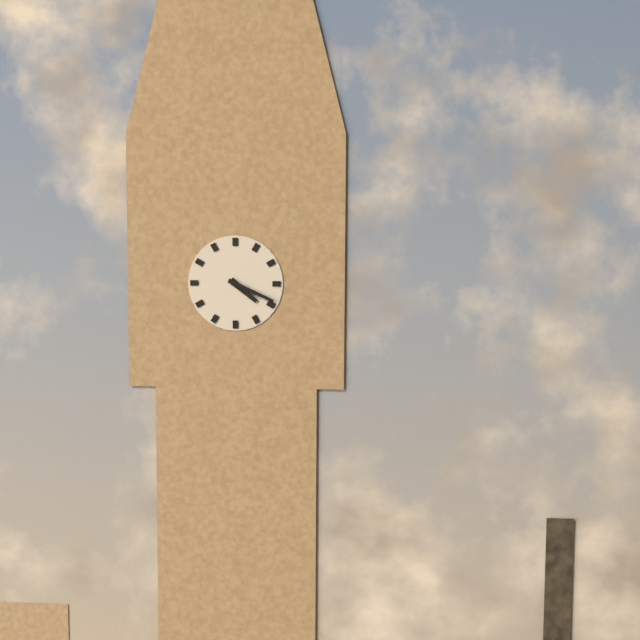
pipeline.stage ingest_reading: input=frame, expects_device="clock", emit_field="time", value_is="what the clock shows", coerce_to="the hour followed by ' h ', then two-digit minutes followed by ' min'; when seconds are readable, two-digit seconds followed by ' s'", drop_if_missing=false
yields 4 h 19 min
